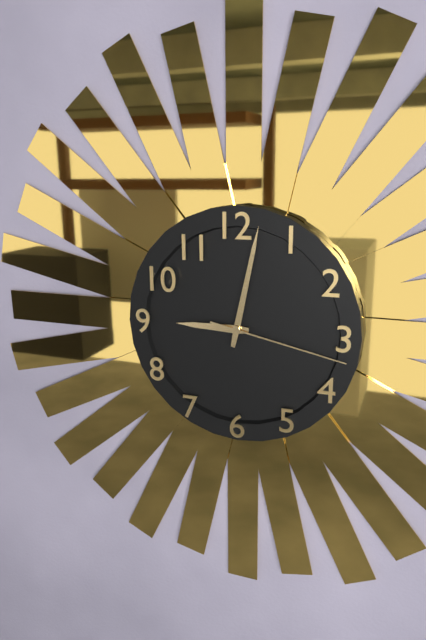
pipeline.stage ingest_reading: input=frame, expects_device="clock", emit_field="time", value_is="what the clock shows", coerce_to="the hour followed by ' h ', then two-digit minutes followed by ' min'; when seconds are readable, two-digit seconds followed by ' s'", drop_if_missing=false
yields 9 h 02 min 17 s
